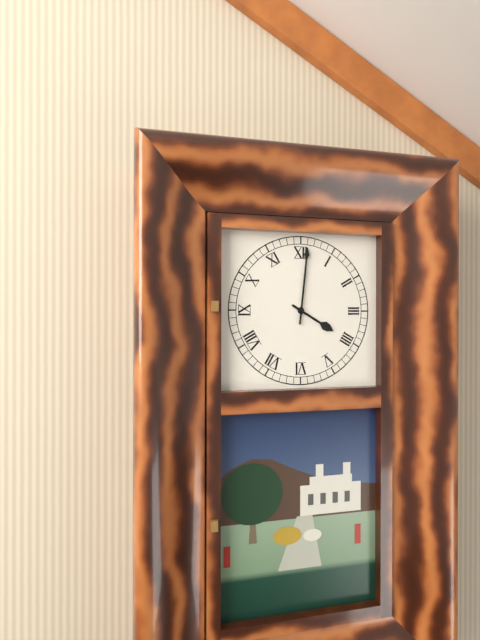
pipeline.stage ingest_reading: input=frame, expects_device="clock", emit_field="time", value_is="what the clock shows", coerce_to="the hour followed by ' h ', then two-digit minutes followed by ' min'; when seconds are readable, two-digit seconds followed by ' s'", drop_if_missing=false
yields 4 h 01 min
